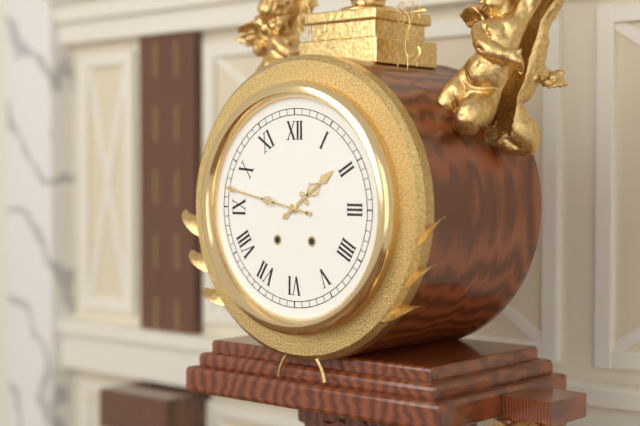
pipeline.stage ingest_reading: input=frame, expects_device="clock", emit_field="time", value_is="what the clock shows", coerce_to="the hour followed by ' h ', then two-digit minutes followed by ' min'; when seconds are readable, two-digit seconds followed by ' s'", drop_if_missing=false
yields 1 h 47 min
